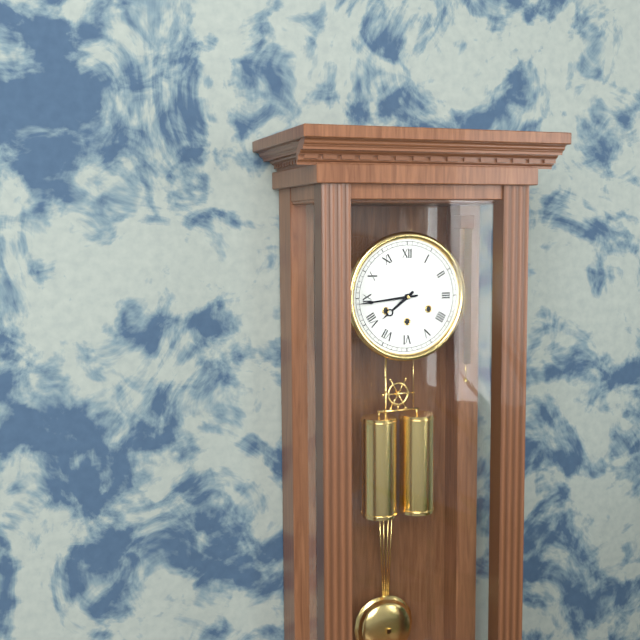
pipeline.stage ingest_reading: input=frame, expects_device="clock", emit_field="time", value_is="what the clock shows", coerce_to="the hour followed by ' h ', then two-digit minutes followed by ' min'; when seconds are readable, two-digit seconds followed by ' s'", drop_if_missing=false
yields 7 h 44 min
